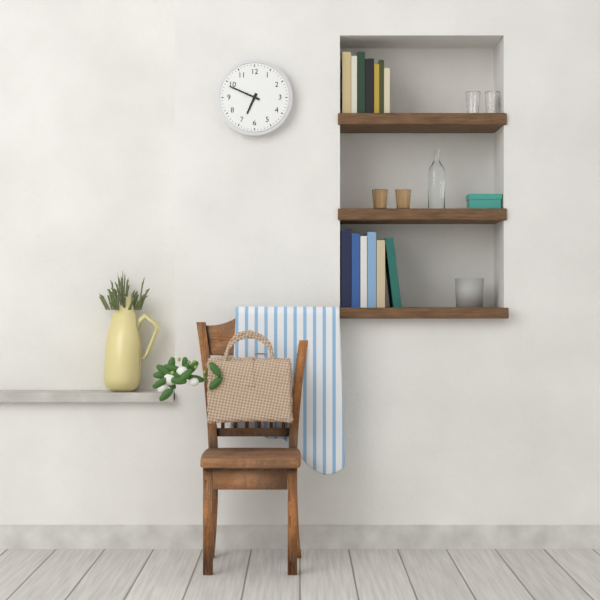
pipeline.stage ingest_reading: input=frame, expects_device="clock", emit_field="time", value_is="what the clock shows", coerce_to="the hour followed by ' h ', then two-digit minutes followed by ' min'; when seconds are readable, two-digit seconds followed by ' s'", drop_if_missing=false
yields 6 h 49 min
